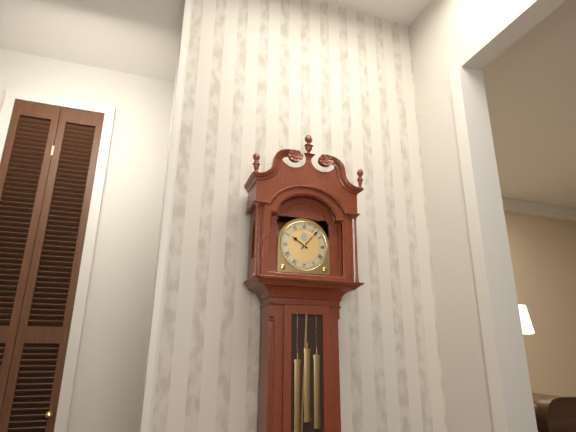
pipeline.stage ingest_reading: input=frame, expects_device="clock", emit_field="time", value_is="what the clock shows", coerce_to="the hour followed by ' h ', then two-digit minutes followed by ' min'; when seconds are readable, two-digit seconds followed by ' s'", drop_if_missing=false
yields 10 h 07 min
